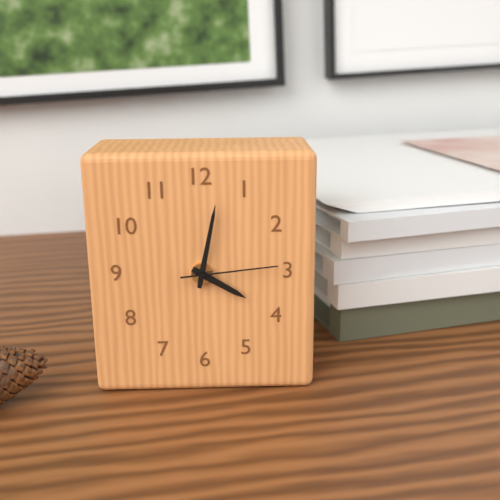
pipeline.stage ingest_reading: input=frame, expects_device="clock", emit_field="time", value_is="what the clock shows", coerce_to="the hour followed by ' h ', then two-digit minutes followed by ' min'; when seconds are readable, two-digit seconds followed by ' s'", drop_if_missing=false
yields 4 h 02 min 14 s
